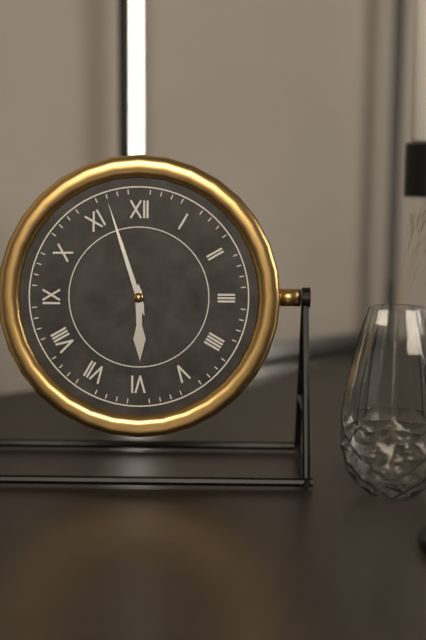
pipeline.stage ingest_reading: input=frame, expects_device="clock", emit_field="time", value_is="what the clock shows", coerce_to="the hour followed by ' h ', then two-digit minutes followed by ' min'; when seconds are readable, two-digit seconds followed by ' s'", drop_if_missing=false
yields 5 h 57 min
